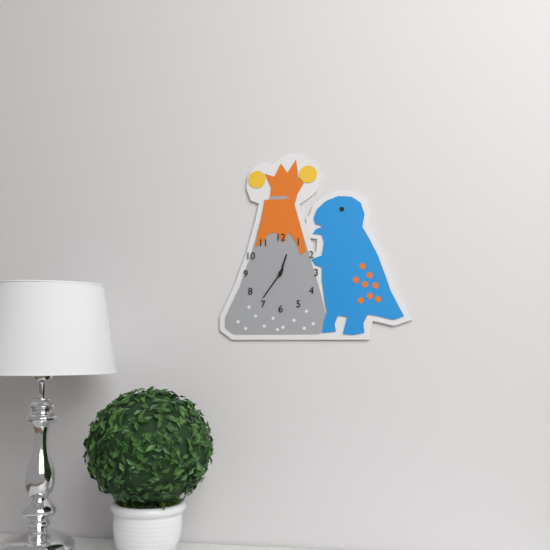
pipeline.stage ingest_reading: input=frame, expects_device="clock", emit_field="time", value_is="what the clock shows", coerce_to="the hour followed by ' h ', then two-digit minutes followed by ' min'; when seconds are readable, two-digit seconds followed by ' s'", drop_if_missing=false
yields 12 h 36 min
